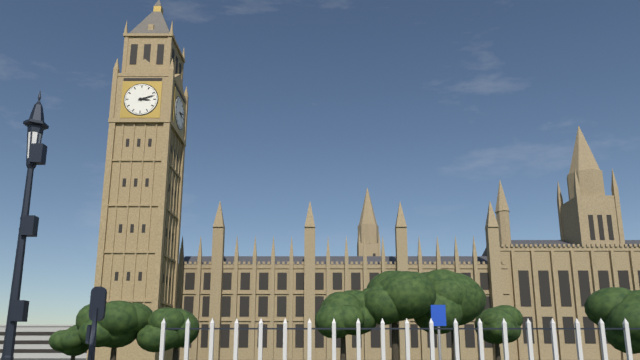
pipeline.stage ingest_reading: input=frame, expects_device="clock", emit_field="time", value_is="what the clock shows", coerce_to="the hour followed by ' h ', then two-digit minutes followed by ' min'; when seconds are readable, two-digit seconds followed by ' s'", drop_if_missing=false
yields 3 h 12 min
